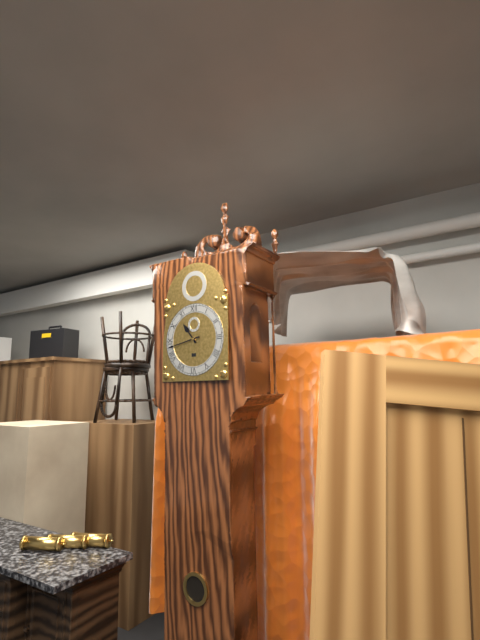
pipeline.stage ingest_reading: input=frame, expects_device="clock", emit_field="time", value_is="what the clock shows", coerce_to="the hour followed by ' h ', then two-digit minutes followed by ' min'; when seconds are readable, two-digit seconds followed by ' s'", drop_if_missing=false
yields 10 h 43 min
